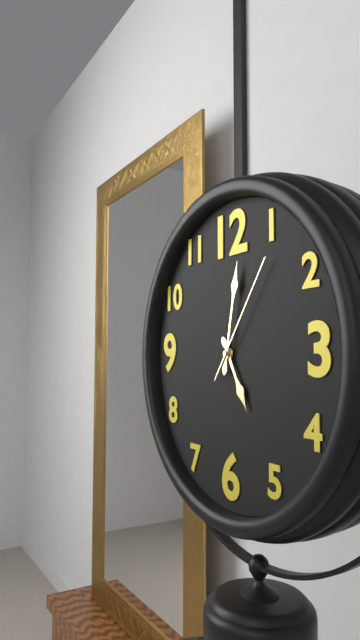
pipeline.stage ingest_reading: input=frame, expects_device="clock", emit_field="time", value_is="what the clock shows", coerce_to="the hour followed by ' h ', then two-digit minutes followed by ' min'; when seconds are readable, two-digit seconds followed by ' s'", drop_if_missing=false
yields 5 h 02 min 06 s
